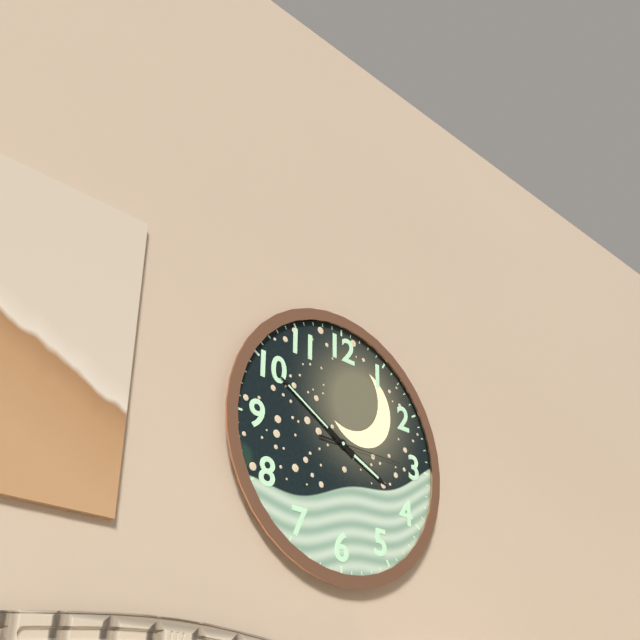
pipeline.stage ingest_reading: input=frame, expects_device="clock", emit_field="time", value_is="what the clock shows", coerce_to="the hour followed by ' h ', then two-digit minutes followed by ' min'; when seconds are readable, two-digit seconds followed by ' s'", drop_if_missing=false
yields 3 h 50 min 15 s
